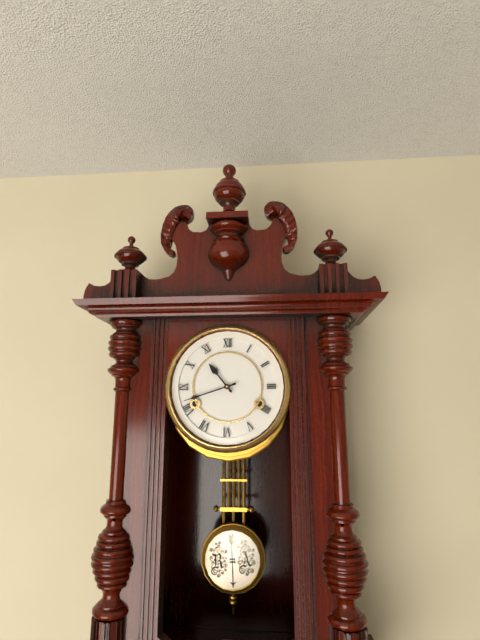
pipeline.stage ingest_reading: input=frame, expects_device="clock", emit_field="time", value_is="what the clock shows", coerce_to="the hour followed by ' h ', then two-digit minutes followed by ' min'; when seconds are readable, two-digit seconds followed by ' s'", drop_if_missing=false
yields 10 h 42 min
